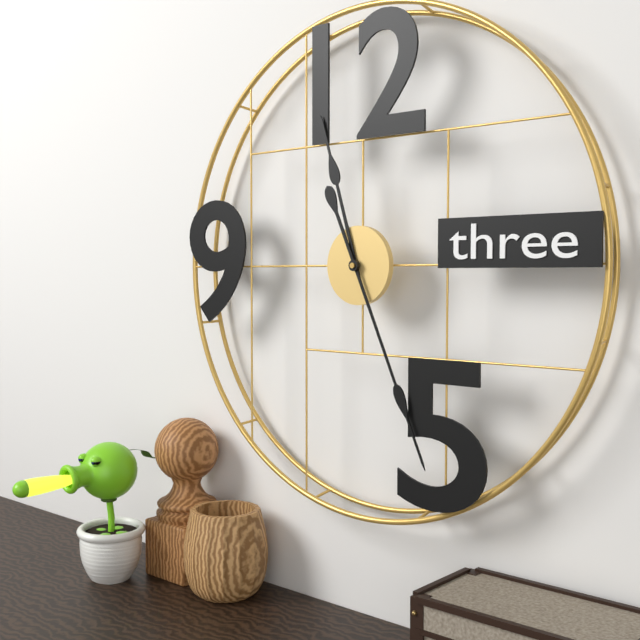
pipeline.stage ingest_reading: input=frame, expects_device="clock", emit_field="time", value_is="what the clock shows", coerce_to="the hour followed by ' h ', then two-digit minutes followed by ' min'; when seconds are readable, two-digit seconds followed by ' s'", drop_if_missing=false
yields 11 h 26 min
